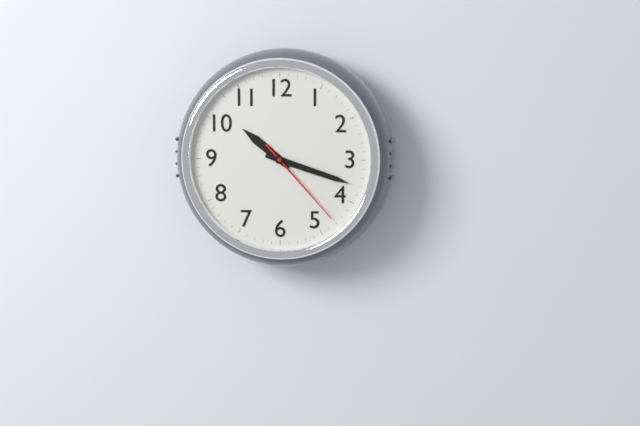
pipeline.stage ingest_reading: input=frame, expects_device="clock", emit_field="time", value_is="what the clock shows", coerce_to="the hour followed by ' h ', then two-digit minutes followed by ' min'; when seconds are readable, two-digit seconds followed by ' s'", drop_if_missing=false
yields 10 h 18 min 23 s
